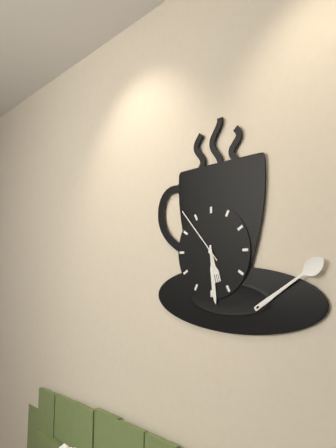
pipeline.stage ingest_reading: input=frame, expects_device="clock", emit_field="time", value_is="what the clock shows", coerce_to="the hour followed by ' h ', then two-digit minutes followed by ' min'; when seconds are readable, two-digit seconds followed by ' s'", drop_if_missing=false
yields 5 h 29 min 53 s
